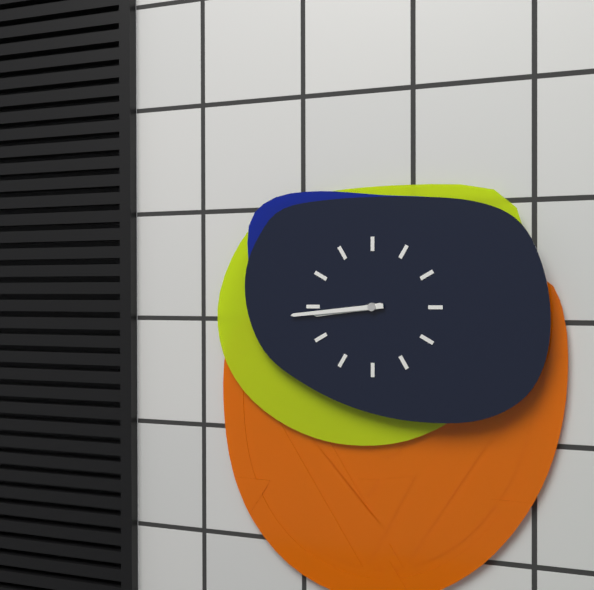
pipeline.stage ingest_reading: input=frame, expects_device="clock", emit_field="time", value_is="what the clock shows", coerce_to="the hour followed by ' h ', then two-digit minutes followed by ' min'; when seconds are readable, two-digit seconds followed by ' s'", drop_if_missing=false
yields 8 h 44 min
